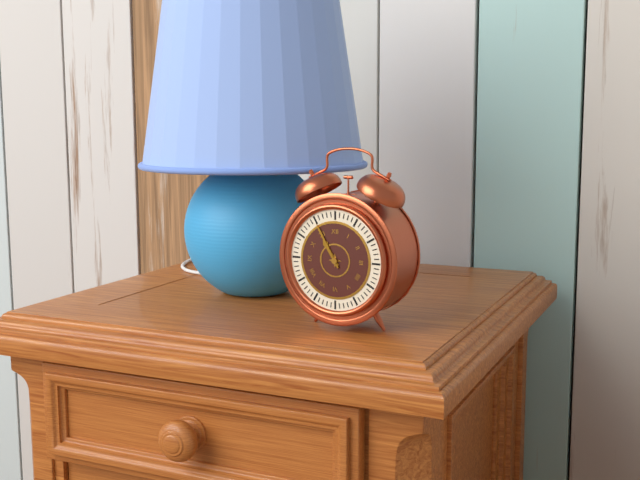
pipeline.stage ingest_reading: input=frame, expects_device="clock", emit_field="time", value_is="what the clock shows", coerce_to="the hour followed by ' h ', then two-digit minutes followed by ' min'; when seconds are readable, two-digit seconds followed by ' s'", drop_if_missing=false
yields 10 h 55 min
